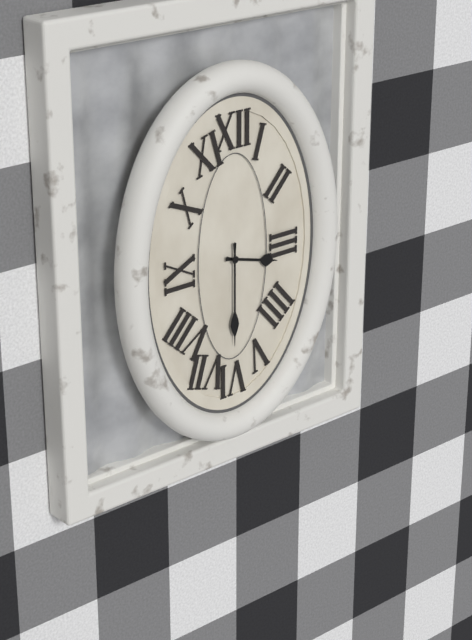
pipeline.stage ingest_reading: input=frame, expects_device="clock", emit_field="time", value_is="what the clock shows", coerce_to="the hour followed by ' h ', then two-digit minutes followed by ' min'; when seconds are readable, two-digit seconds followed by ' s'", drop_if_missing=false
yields 3 h 30 min
